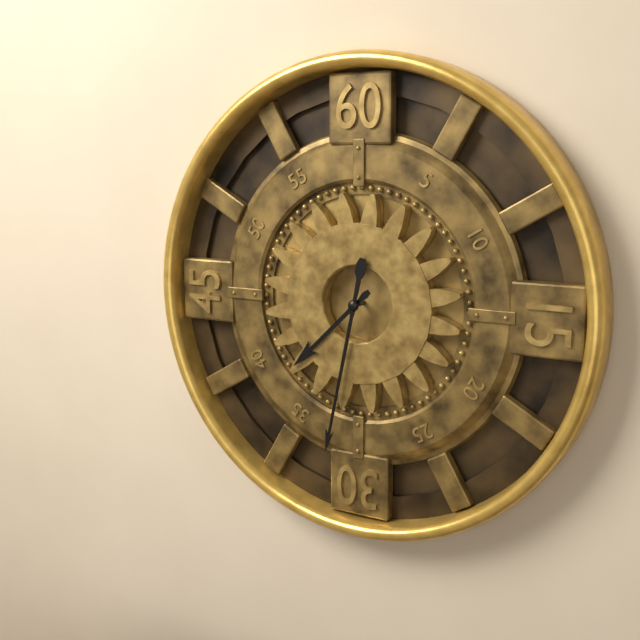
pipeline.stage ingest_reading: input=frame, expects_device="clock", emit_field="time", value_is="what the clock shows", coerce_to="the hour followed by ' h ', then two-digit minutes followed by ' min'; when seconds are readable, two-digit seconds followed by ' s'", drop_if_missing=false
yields 7 h 32 min
